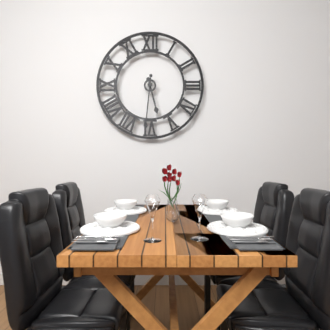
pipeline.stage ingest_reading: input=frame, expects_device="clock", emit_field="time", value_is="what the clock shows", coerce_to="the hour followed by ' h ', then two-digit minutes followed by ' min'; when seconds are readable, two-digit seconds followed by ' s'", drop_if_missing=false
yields 5 h 31 min
